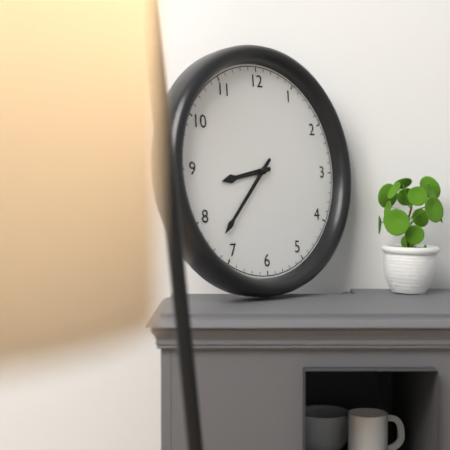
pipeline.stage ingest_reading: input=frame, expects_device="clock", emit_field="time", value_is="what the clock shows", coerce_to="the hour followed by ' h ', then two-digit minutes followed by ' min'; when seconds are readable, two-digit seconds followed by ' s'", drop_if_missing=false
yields 8 h 37 min
